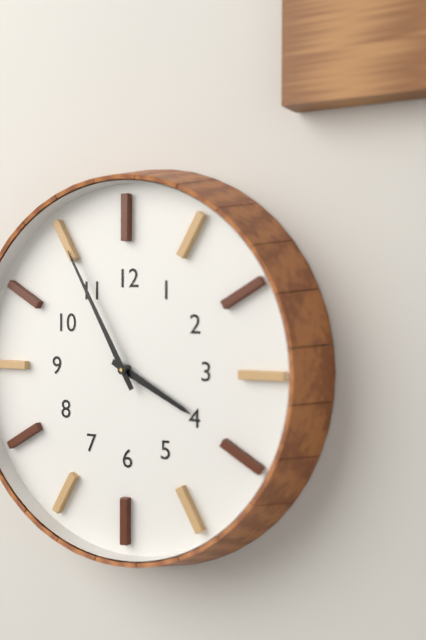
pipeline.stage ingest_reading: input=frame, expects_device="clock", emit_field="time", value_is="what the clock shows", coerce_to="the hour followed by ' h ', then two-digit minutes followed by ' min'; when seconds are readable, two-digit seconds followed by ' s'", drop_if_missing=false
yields 3 h 55 min
